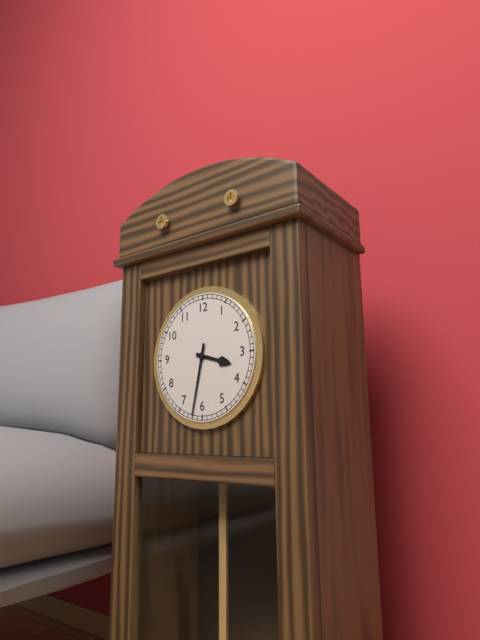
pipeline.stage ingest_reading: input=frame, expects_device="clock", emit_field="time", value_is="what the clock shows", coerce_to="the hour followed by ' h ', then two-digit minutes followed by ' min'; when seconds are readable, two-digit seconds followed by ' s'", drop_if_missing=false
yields 3 h 32 min
